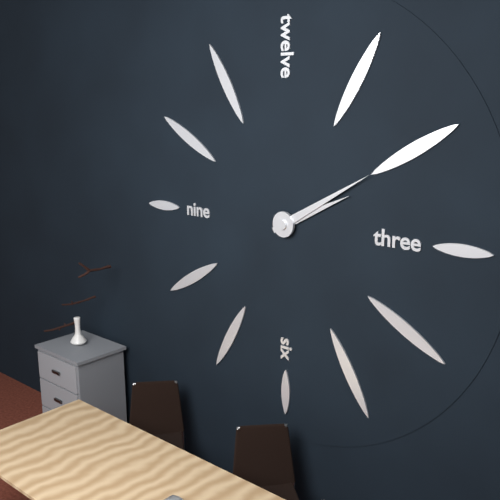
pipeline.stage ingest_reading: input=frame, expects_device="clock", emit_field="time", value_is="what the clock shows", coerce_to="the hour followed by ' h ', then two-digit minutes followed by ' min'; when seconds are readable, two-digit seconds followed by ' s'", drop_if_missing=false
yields 2 h 10 min
